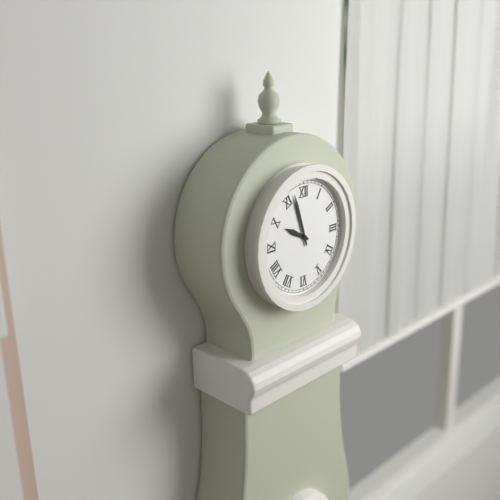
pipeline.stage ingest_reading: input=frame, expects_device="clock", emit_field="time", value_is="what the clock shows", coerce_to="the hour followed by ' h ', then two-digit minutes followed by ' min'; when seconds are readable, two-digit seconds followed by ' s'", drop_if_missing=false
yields 9 h 57 min
